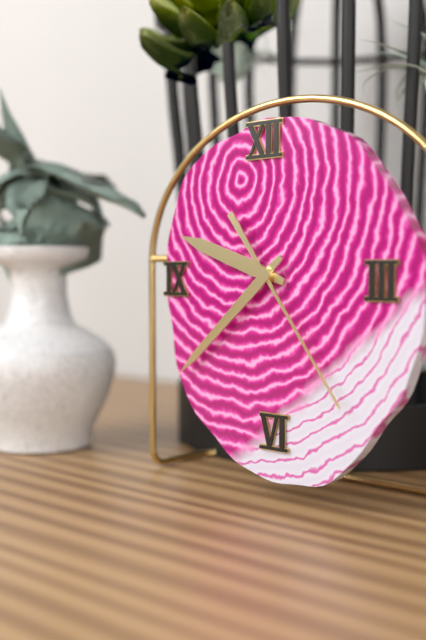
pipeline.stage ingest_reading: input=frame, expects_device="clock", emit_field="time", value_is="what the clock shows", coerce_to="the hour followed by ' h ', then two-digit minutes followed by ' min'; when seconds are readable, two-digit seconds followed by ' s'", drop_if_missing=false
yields 9 h 38 min 24 s
